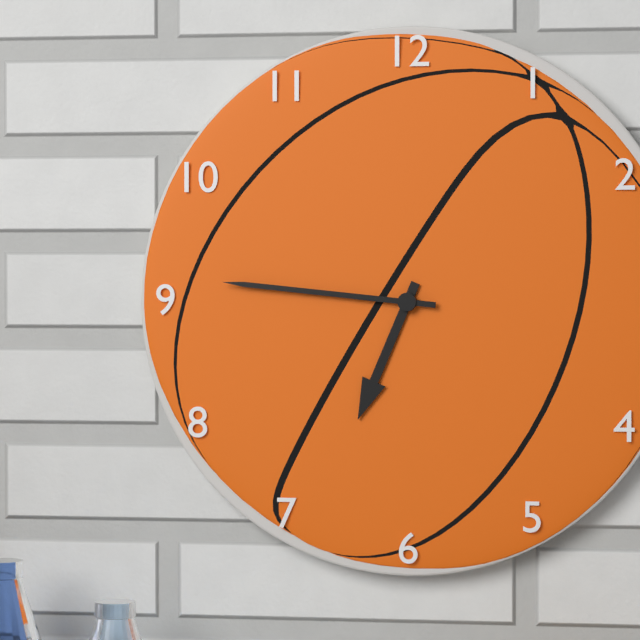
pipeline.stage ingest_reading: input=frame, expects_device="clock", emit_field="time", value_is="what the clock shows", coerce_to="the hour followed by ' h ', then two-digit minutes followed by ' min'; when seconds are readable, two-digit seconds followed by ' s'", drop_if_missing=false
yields 6 h 46 min
